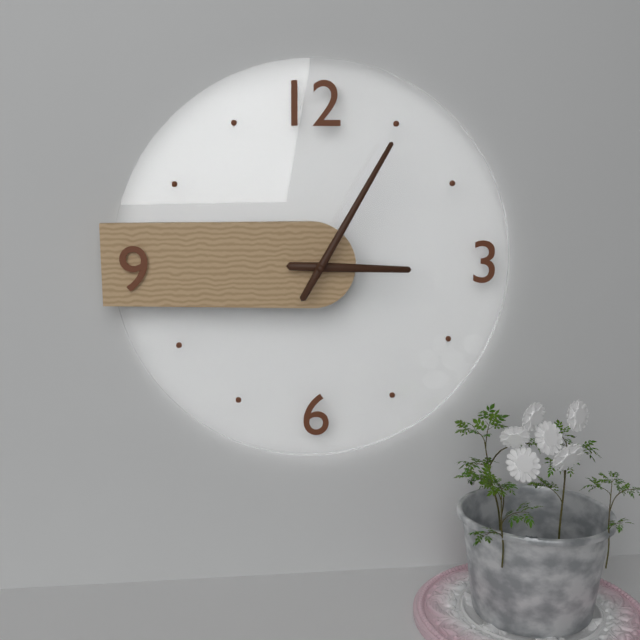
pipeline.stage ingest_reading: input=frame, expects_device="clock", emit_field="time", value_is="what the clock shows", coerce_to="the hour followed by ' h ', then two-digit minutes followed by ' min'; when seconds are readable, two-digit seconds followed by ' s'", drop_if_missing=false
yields 3 h 05 min
